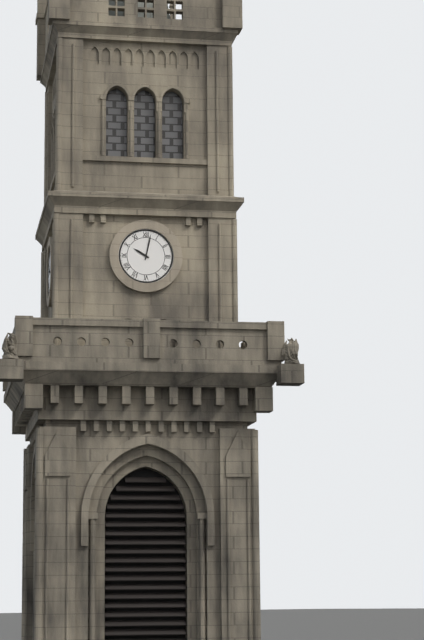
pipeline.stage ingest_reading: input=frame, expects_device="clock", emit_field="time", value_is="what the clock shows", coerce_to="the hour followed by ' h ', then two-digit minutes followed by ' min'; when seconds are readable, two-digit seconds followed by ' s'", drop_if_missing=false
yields 10 h 02 min
